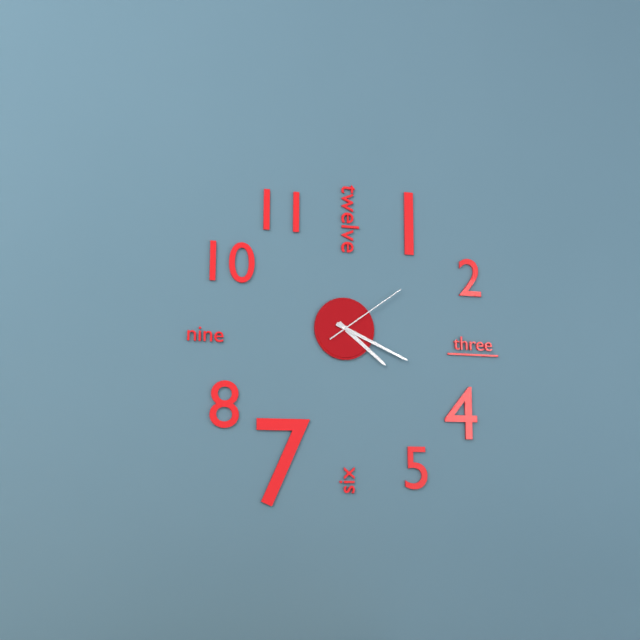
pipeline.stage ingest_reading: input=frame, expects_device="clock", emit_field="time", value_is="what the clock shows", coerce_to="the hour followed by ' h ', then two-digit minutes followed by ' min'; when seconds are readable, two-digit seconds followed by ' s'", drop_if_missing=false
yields 4 h 19 min 09 s
